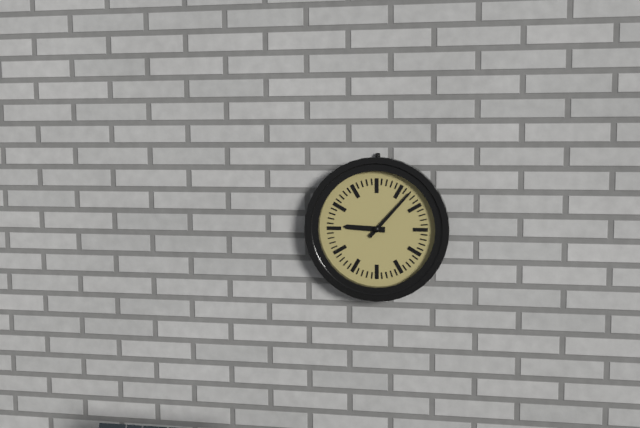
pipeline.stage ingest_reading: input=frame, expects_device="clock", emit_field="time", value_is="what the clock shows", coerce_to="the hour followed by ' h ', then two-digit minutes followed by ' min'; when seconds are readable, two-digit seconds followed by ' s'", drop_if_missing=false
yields 9 h 07 min
